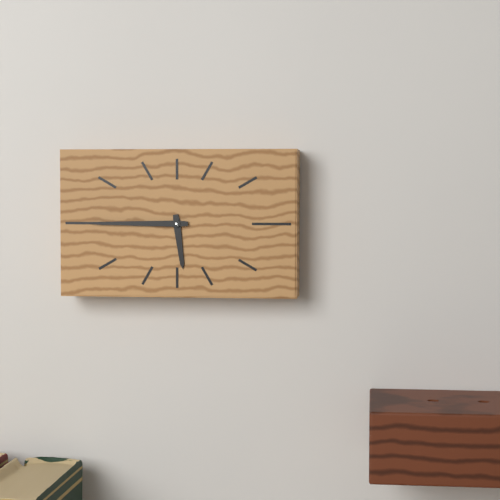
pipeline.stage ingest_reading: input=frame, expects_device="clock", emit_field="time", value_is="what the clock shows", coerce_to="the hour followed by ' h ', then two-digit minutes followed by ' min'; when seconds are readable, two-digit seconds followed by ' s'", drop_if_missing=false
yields 5 h 45 min
